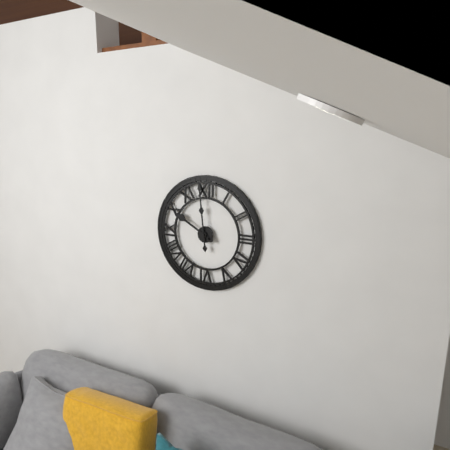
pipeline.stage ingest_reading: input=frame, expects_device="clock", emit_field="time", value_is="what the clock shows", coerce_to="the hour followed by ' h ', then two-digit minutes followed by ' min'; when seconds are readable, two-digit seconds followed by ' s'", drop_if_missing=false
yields 9 h 59 min
